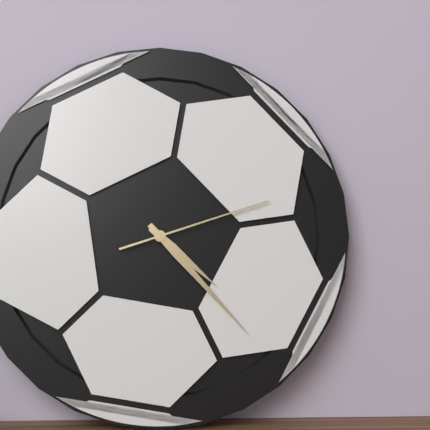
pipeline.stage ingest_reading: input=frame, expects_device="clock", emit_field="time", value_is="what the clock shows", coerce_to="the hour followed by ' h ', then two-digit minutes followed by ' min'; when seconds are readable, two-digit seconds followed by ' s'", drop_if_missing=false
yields 4 h 23 min 12 s
